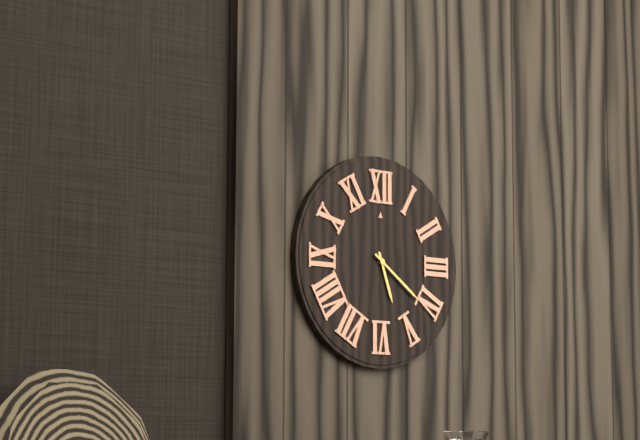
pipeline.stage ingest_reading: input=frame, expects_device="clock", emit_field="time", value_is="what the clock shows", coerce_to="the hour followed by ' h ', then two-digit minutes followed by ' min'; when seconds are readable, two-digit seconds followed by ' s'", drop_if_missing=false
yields 5 h 21 min
